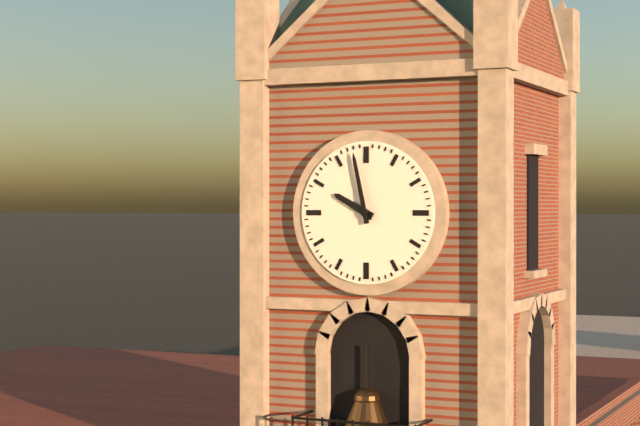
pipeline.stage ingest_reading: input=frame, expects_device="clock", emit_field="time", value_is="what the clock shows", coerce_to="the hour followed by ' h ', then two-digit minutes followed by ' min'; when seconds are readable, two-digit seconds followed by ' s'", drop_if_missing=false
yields 9 h 58 min
